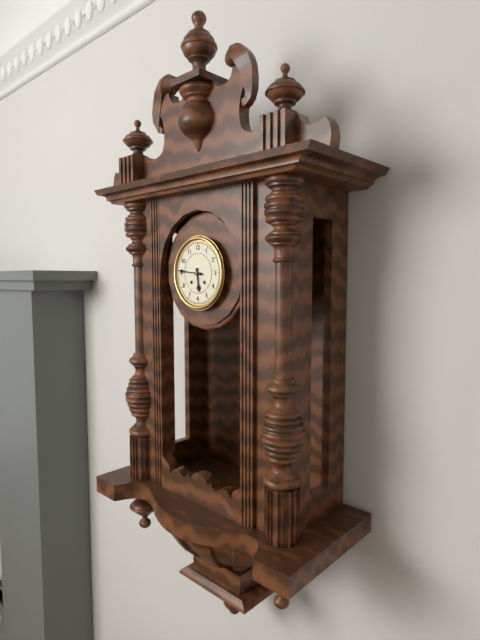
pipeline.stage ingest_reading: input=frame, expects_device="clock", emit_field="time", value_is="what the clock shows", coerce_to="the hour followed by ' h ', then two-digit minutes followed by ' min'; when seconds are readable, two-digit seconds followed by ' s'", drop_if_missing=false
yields 5 h 46 min
